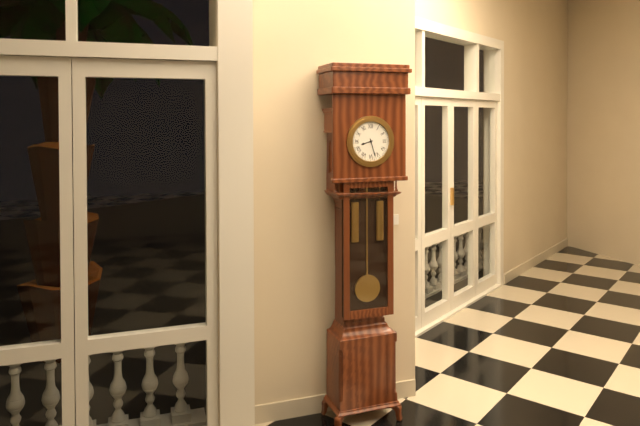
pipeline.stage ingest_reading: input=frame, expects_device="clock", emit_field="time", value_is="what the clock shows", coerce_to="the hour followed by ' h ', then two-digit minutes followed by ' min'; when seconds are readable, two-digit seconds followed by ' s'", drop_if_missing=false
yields 8 h 27 min
